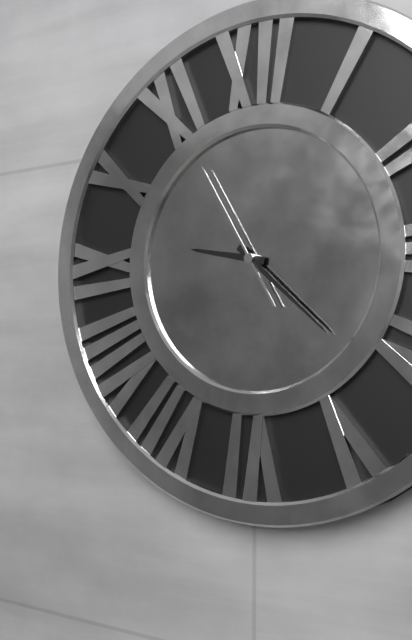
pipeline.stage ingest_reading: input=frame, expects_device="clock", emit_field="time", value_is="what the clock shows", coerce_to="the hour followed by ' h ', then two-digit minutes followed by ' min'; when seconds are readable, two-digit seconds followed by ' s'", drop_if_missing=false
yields 9 h 22 min 55 s
